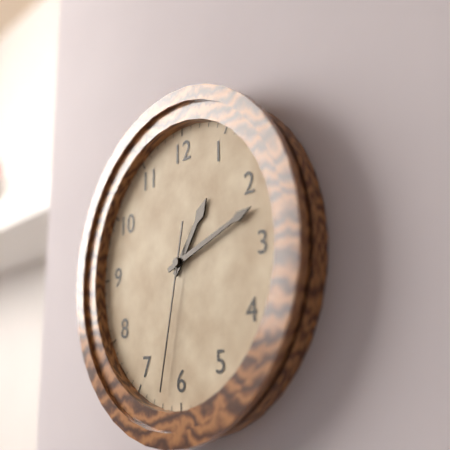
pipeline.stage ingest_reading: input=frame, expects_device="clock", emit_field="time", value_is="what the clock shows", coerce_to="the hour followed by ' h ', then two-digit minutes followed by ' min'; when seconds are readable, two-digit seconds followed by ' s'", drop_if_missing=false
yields 1 h 12 min 32 s
